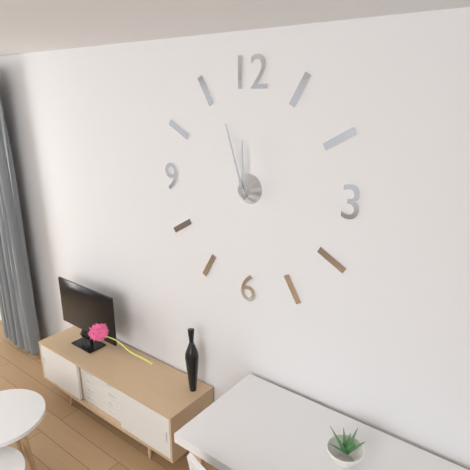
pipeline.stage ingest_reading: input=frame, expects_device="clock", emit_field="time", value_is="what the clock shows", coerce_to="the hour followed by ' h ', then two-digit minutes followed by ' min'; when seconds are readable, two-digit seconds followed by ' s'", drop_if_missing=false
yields 11 h 57 min
